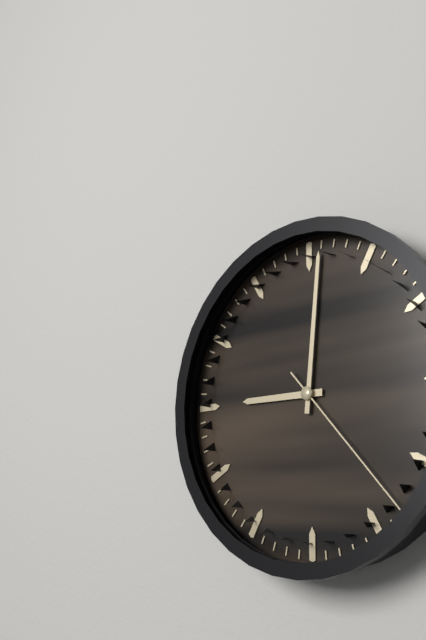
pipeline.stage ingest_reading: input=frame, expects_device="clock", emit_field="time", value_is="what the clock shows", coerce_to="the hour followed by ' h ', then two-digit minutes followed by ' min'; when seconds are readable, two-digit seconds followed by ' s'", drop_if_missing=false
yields 9 h 01 min 23 s
